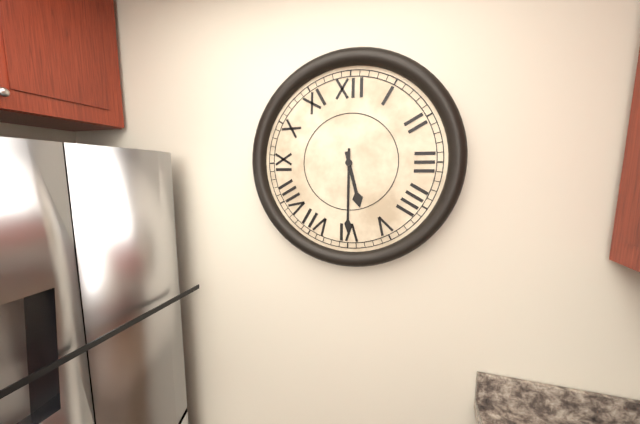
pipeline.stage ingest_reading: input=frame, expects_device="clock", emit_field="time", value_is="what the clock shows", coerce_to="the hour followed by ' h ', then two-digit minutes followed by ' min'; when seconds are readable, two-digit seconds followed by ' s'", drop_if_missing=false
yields 5 h 30 min
